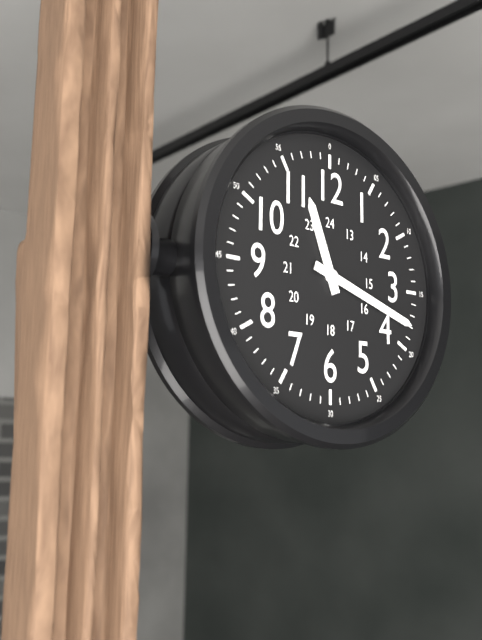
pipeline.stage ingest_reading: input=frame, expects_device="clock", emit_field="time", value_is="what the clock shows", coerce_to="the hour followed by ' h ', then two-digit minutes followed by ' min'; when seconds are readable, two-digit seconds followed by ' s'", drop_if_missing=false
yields 11 h 18 min
